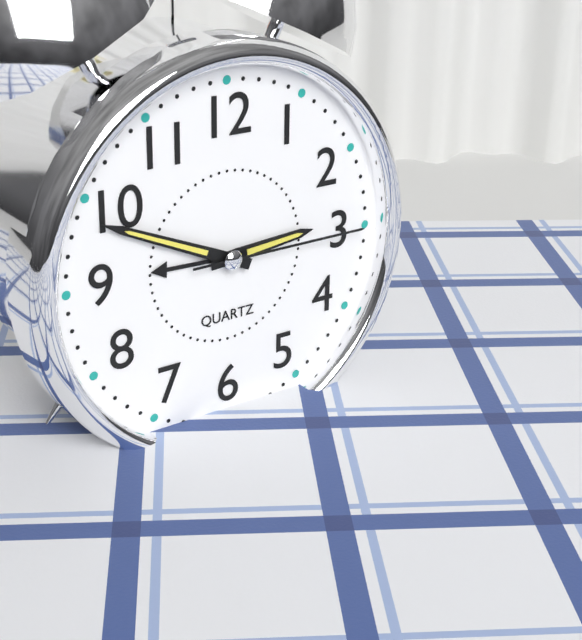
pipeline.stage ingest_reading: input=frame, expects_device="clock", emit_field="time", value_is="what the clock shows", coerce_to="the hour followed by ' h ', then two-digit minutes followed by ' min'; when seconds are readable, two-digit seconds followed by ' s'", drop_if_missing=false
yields 2 h 49 min 15 s
